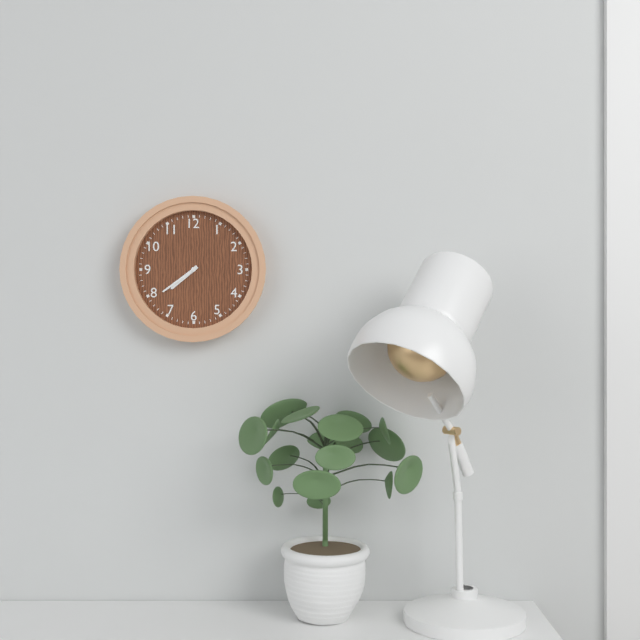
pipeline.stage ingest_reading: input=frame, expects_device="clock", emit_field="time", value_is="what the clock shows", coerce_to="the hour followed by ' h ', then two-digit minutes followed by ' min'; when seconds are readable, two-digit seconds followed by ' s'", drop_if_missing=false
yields 7 h 39 min
